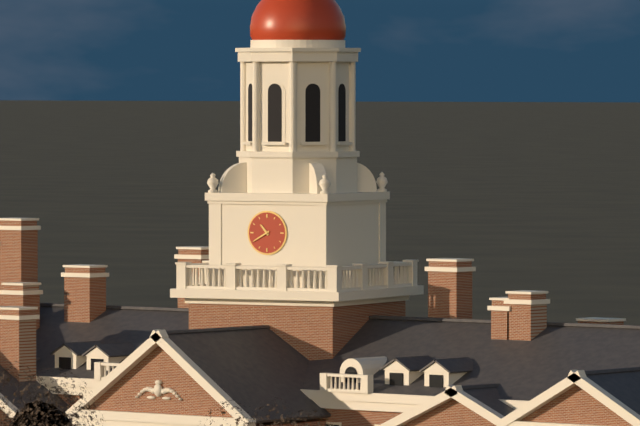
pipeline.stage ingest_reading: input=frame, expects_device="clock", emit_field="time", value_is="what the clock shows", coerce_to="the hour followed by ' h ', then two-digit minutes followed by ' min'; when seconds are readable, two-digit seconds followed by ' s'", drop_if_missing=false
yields 10 h 40 min
